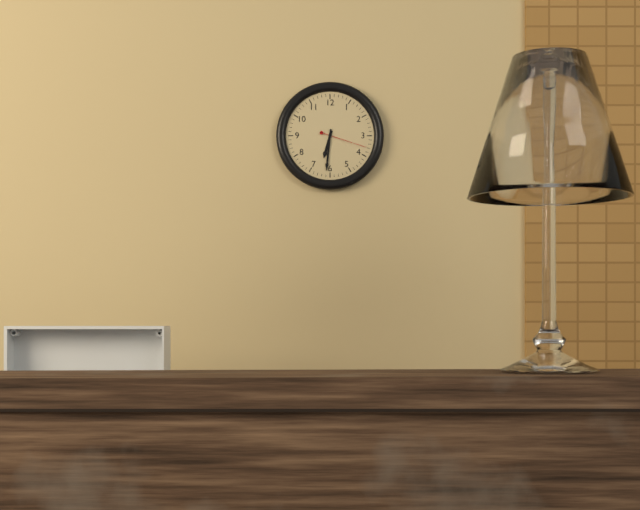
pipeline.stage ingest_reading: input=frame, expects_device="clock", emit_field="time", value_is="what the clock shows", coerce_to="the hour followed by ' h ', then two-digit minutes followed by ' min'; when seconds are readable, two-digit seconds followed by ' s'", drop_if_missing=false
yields 6 h 31 min
